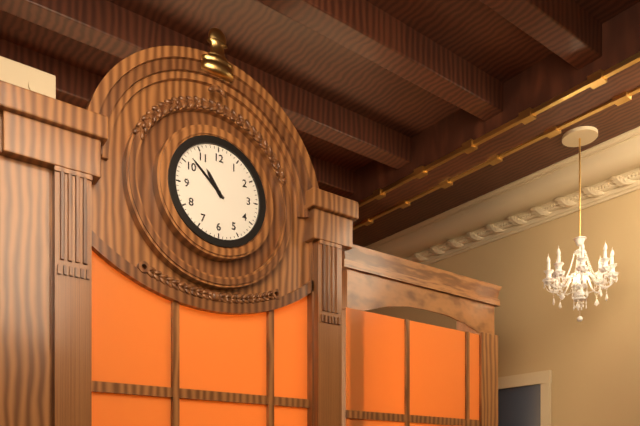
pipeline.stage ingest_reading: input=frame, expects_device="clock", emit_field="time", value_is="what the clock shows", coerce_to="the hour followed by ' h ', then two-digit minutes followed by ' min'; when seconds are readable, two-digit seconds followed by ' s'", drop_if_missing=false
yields 10 h 52 min
